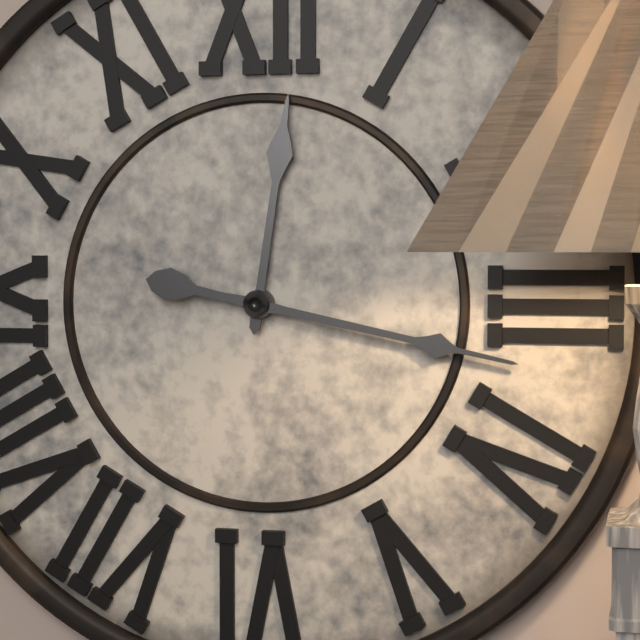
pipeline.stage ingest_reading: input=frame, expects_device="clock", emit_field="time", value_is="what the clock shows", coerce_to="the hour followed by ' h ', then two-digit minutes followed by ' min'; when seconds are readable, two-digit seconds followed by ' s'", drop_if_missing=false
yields 12 h 17 min
